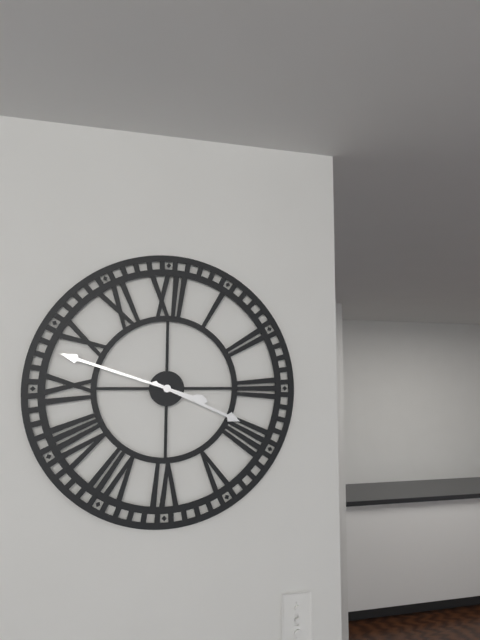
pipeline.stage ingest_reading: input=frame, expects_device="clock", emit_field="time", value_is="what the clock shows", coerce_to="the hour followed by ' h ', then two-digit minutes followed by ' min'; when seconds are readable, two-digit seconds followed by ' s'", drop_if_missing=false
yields 3 h 48 min
